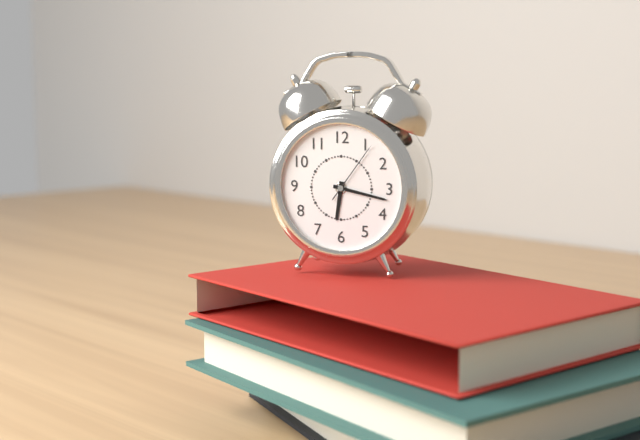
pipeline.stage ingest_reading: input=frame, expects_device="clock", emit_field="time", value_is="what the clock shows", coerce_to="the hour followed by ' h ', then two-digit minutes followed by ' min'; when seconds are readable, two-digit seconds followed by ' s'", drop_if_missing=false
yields 6 h 17 min 06 s
